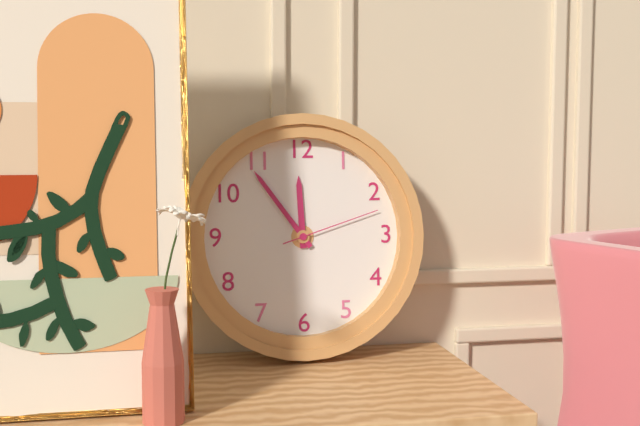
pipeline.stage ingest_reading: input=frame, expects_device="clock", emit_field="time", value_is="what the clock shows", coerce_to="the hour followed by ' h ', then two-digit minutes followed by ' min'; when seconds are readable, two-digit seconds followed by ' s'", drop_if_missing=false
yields 11 h 54 min 12 s
